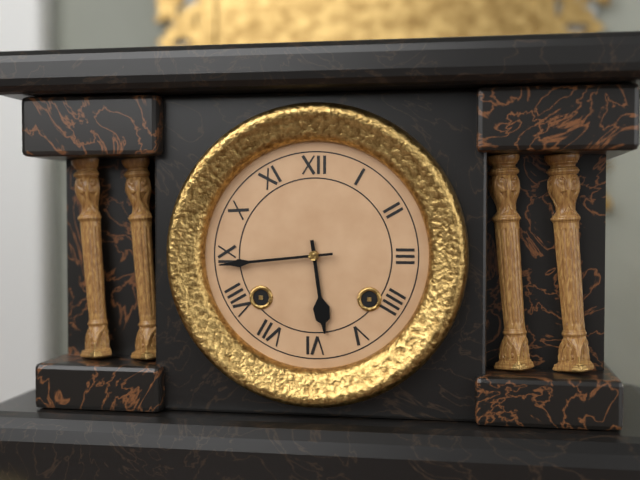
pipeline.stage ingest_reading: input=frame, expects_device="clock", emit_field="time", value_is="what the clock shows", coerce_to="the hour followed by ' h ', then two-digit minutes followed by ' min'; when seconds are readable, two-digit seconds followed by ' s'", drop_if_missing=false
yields 5 h 44 min
